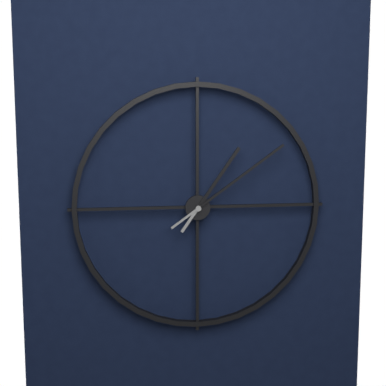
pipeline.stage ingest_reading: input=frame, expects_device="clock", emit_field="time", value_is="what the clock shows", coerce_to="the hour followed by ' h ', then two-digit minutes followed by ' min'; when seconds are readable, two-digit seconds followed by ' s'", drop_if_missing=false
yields 1 h 09 min
